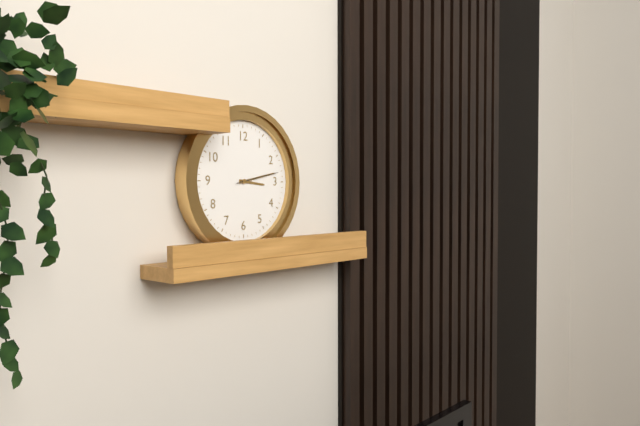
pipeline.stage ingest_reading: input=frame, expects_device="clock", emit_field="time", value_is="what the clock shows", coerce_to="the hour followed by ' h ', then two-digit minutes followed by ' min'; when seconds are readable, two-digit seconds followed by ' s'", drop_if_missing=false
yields 3 h 13 min
